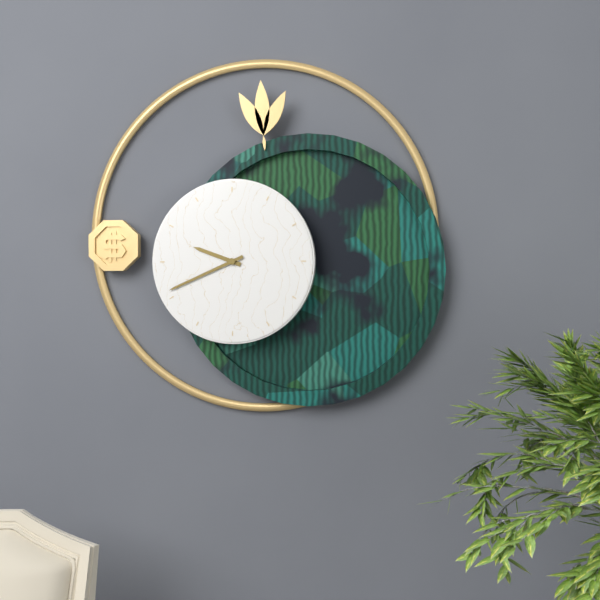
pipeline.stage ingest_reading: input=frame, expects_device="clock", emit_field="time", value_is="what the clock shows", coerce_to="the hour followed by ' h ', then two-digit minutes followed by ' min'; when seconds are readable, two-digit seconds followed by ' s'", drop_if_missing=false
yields 9 h 41 min
